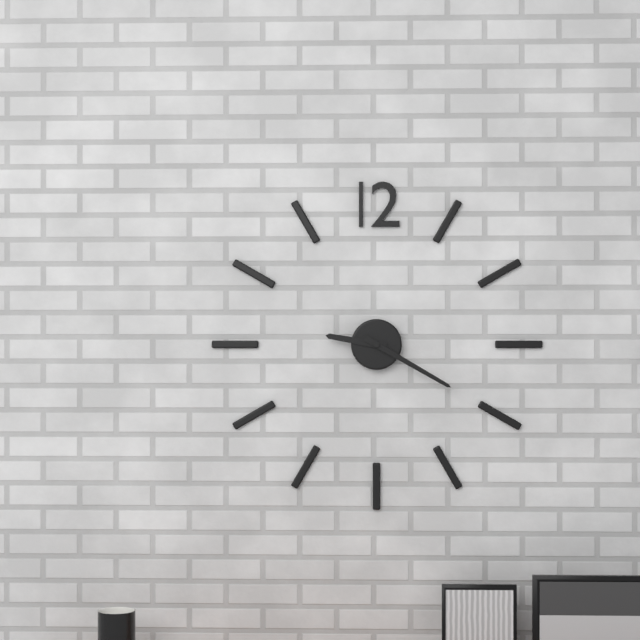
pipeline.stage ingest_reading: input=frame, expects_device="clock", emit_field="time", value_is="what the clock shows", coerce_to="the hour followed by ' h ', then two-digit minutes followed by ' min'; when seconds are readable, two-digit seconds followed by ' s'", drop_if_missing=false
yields 9 h 20 min
